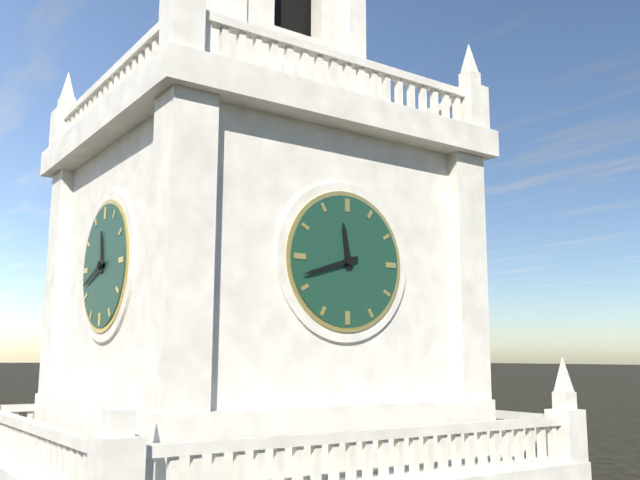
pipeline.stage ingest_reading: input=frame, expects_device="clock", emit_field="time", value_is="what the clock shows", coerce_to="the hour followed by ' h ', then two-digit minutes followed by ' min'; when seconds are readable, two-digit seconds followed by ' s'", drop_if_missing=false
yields 11 h 42 min
